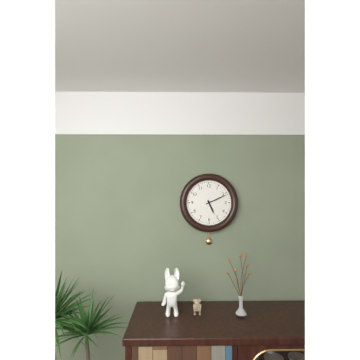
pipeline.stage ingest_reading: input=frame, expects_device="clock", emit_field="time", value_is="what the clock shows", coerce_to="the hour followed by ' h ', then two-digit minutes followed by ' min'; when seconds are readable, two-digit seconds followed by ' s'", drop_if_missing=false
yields 5 h 11 min
